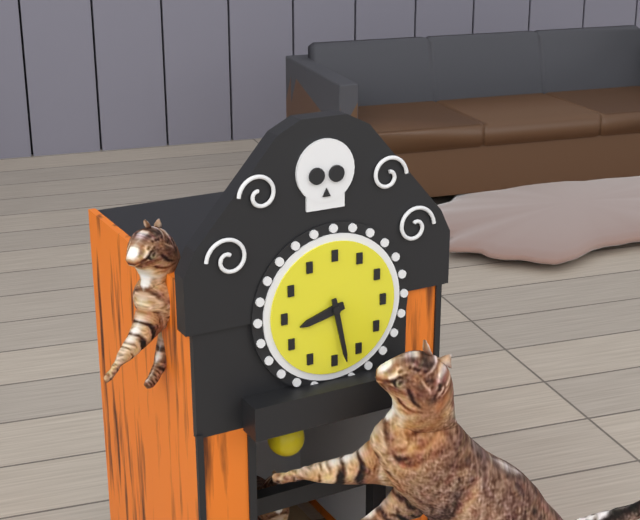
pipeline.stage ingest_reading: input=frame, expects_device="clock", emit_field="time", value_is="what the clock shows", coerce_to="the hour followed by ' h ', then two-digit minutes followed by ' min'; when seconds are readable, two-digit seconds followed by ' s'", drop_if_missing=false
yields 8 h 28 min
